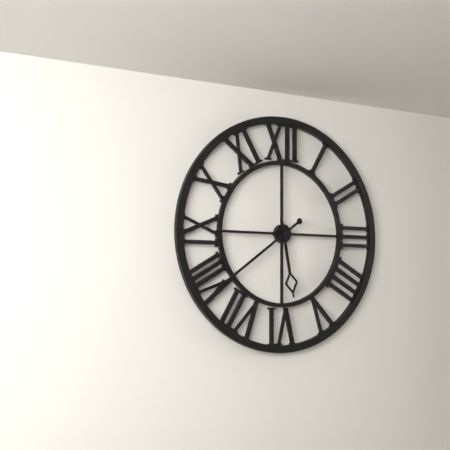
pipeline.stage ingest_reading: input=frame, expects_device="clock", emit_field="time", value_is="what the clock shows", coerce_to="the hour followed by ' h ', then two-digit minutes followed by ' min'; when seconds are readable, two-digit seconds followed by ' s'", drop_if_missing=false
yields 5 h 39 min
